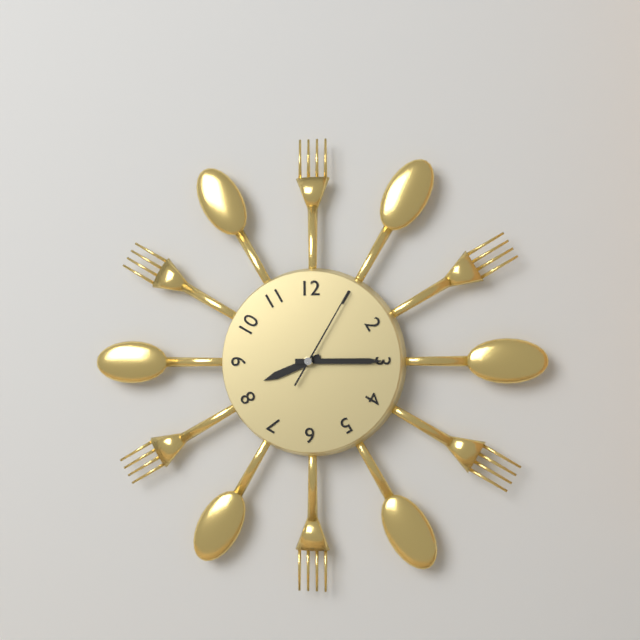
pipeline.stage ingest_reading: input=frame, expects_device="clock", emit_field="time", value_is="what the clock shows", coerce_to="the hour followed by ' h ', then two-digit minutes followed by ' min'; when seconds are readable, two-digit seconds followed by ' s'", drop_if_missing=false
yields 8 h 15 min 05 s
